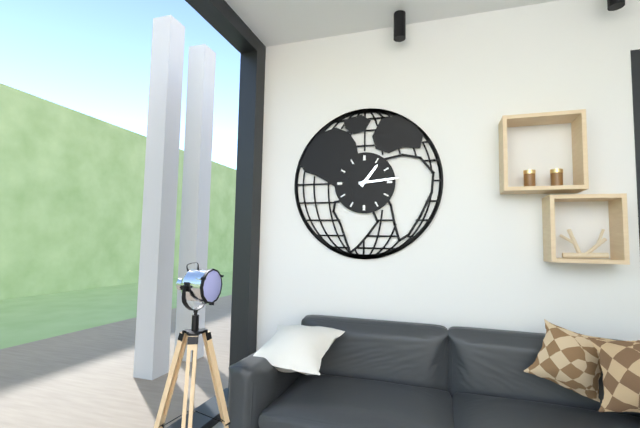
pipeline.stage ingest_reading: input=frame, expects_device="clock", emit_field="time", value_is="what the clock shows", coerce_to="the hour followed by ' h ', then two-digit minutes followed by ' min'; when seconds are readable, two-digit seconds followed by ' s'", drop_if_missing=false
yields 1 h 14 min
